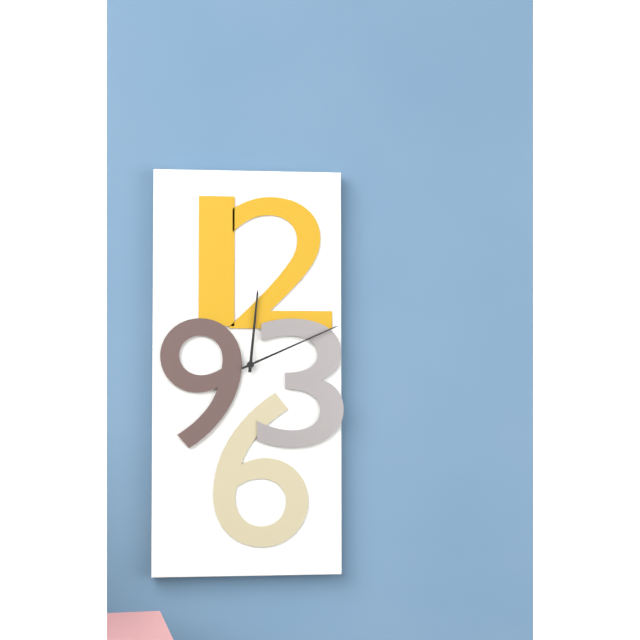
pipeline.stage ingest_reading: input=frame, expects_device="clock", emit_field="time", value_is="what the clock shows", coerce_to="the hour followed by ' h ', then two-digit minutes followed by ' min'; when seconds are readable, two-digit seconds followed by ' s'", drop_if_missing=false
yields 12 h 11 min
